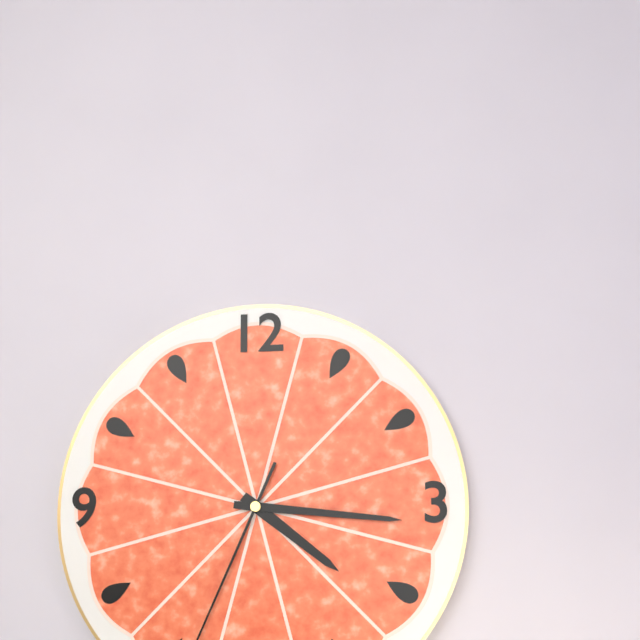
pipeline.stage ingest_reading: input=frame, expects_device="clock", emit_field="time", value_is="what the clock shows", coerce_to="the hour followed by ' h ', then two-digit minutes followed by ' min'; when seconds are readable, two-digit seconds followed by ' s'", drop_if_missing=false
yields 4 h 16 min
